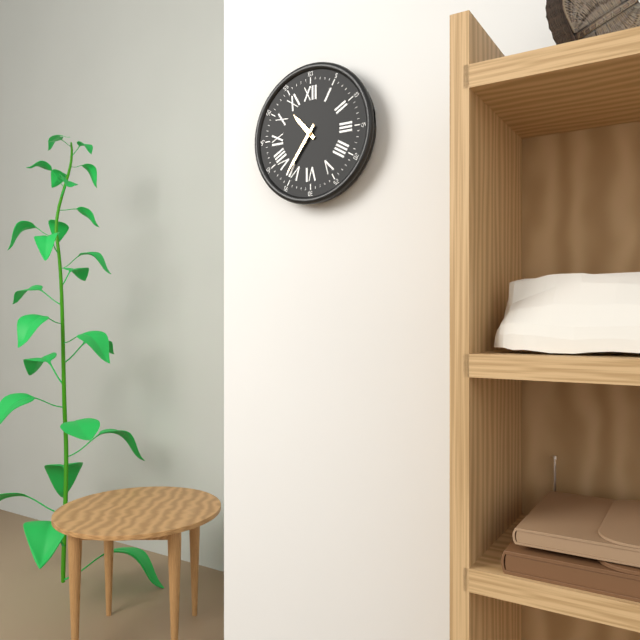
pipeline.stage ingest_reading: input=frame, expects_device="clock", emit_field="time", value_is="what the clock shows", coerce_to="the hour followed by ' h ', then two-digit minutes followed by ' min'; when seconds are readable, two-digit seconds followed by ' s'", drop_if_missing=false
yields 10 h 36 min
